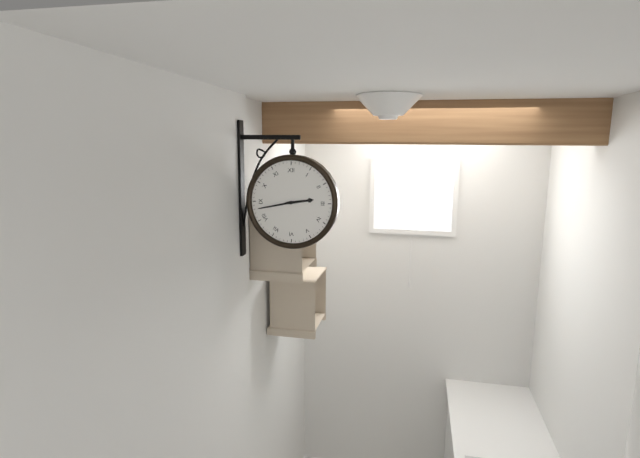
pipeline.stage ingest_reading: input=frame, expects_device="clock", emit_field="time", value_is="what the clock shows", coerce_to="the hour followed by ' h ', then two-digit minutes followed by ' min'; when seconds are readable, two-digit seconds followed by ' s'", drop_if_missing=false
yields 2 h 43 min
